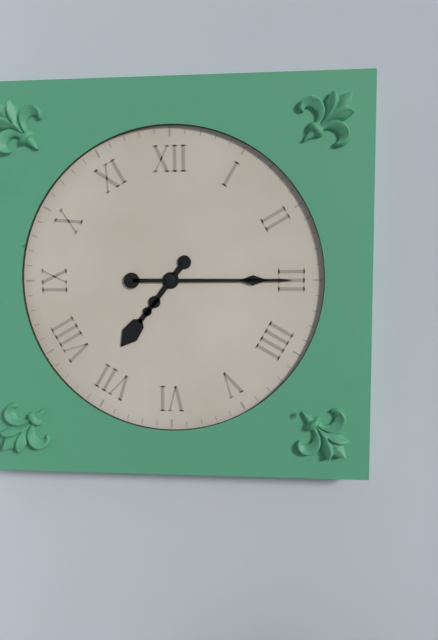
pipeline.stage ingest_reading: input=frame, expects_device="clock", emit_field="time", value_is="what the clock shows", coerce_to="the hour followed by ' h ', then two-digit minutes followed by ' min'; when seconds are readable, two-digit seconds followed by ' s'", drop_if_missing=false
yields 7 h 15 min
